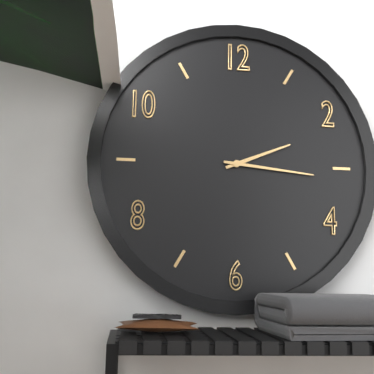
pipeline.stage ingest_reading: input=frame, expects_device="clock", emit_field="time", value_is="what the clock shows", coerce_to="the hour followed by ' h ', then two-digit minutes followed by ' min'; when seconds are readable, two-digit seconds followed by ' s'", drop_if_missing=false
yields 2 h 16 min
